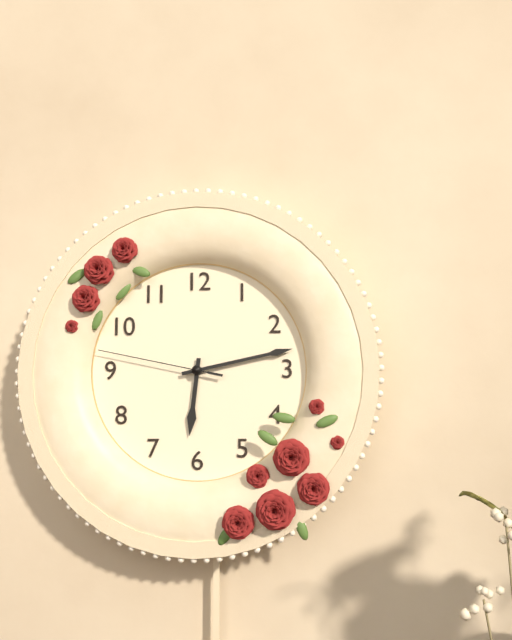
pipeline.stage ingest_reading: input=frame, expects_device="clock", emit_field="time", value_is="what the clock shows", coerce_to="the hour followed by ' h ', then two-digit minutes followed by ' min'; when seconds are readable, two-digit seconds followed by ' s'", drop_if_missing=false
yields 6 h 13 min 47 s
